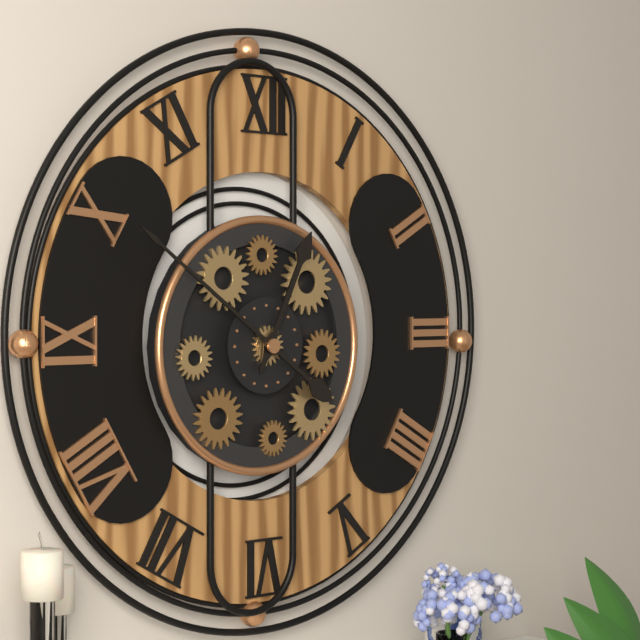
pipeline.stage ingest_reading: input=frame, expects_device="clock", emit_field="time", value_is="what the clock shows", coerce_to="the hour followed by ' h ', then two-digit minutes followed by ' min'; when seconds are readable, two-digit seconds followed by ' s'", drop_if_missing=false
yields 12 h 51 min
